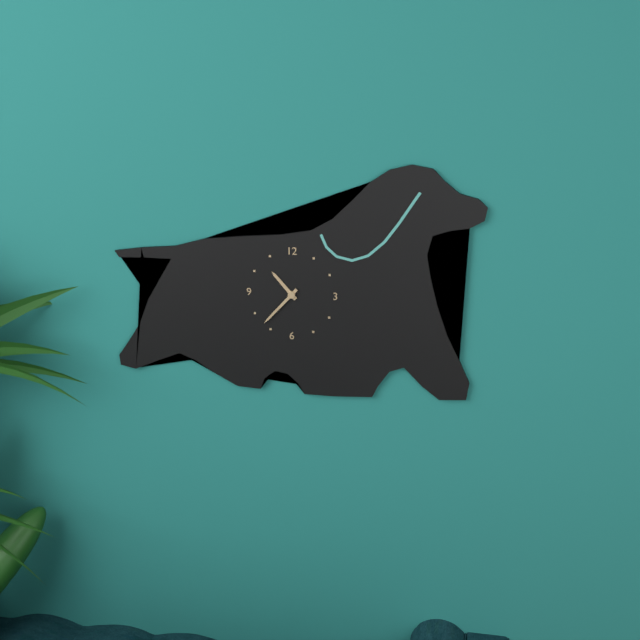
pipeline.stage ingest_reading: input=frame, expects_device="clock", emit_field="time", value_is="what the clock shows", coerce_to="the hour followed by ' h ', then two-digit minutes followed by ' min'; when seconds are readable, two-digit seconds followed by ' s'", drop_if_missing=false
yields 10 h 37 min
